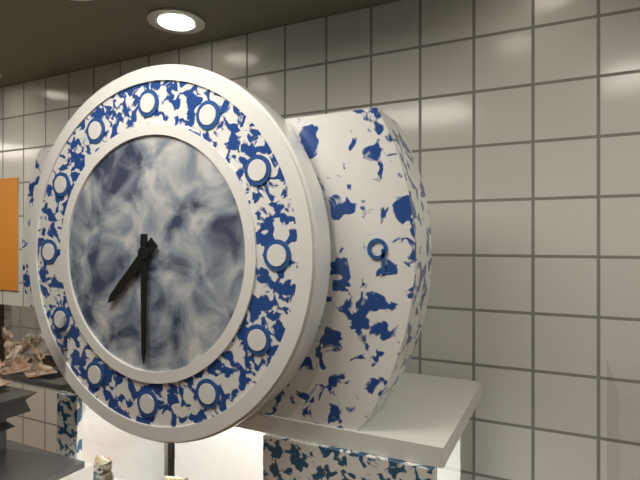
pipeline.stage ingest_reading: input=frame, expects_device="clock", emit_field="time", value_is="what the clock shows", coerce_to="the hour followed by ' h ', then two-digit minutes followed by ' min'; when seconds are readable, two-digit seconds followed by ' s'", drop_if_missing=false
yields 7 h 30 min
